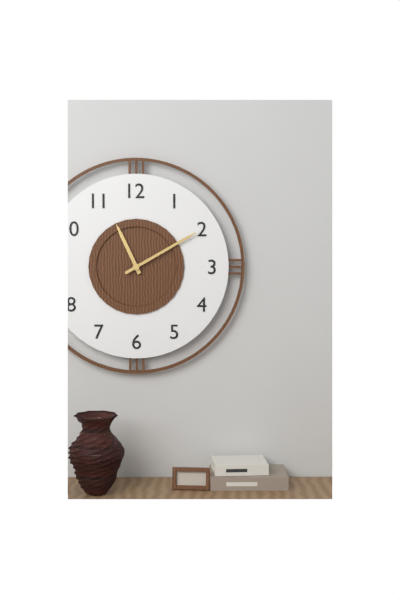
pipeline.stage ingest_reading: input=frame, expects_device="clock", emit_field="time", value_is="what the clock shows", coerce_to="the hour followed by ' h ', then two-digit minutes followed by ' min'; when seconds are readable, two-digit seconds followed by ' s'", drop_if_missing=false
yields 11 h 10 min
